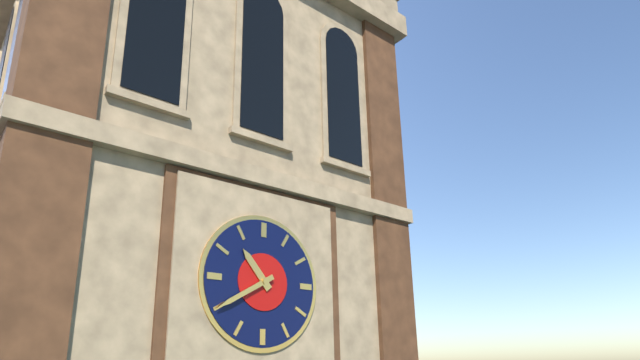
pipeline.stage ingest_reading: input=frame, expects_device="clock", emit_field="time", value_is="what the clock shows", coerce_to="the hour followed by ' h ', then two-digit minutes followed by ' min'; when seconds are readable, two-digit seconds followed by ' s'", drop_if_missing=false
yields 10 h 40 min
